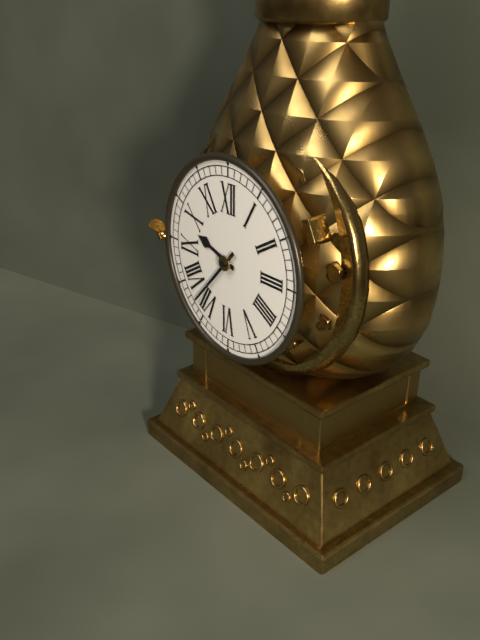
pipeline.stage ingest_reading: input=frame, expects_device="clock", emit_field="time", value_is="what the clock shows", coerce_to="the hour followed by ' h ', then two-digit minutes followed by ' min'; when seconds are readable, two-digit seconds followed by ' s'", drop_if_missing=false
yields 9 h 37 min
